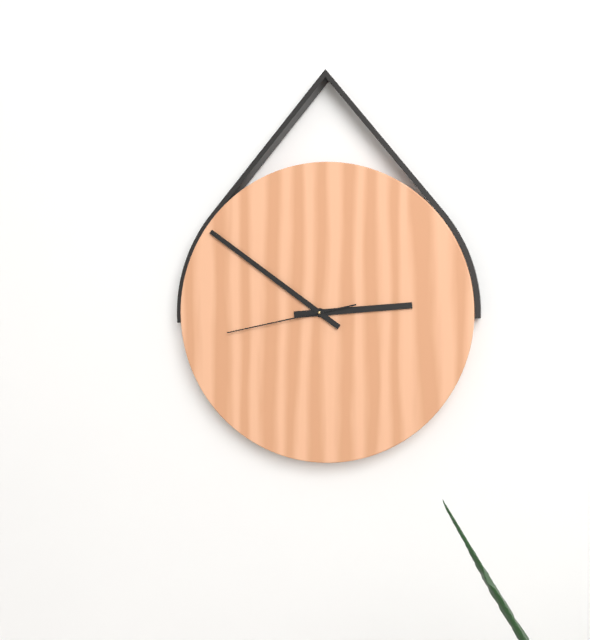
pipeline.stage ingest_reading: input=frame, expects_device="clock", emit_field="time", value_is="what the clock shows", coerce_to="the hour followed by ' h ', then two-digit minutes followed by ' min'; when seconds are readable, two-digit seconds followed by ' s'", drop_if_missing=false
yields 2 h 51 min 43 s
